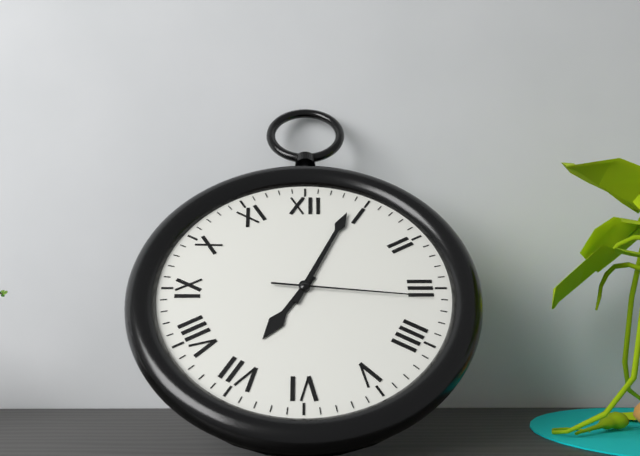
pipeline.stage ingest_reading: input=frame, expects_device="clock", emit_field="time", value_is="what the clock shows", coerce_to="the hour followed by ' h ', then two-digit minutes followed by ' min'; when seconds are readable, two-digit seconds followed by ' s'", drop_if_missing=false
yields 7 h 04 min 16 s
